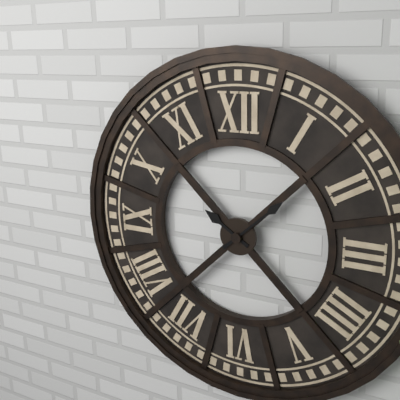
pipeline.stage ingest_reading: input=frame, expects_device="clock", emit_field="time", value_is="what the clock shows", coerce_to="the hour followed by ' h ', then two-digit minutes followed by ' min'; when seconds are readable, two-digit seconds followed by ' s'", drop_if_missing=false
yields 10 h 08 min
